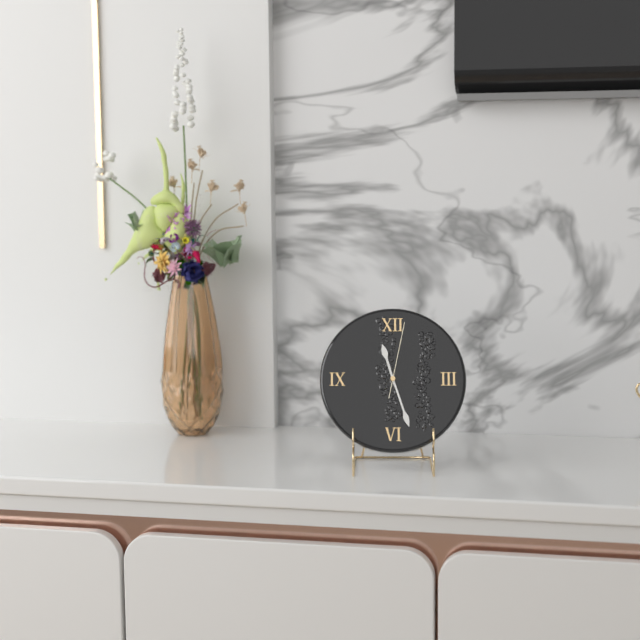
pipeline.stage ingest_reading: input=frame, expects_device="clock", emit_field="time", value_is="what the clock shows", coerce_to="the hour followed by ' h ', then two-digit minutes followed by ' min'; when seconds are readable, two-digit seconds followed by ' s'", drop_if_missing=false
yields 11 h 27 min 02 s
